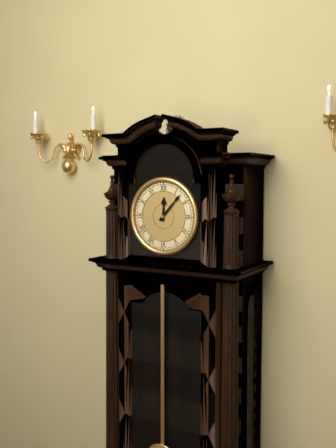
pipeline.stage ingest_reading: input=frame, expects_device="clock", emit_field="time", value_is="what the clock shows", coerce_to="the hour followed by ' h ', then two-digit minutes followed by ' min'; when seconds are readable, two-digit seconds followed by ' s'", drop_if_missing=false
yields 12 h 07 min
